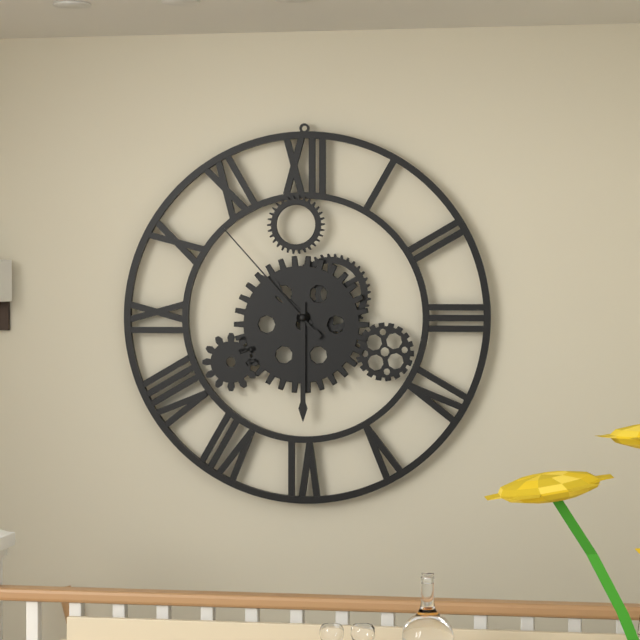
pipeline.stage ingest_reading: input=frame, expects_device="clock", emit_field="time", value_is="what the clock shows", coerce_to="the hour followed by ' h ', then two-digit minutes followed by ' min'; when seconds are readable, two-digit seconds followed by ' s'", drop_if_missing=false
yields 10 h 30 min 53 s
